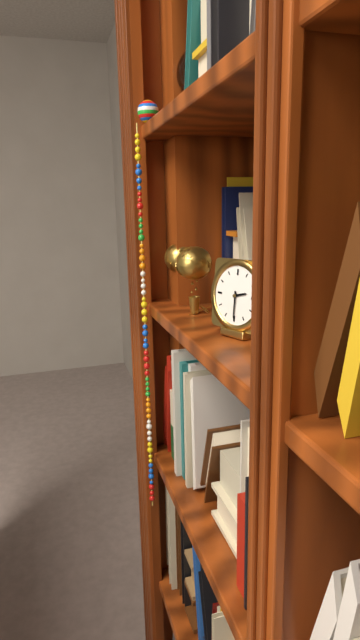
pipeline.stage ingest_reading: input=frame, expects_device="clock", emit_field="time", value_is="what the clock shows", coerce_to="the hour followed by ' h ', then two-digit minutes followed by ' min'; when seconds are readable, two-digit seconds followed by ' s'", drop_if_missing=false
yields 2 h 30 min
